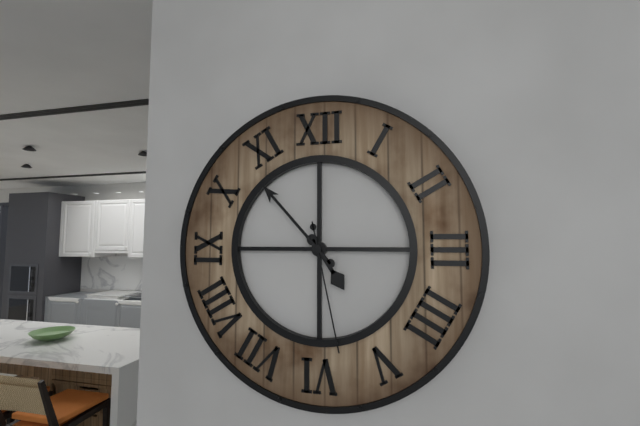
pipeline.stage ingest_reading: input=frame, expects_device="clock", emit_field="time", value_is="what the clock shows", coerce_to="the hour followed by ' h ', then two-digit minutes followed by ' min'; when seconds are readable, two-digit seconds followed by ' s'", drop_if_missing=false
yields 4 h 53 min 28 s
